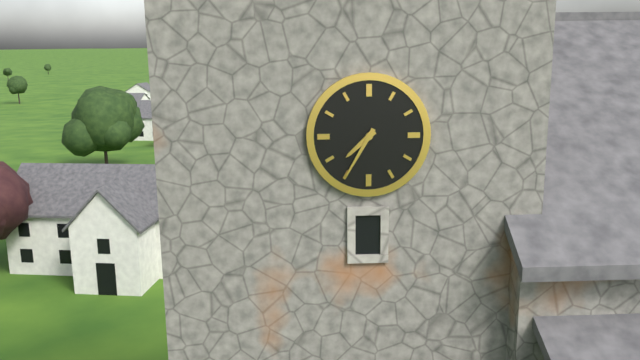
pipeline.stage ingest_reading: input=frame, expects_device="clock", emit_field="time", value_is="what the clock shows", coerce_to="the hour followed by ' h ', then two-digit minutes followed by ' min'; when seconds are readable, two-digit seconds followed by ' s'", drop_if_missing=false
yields 7 h 35 min
